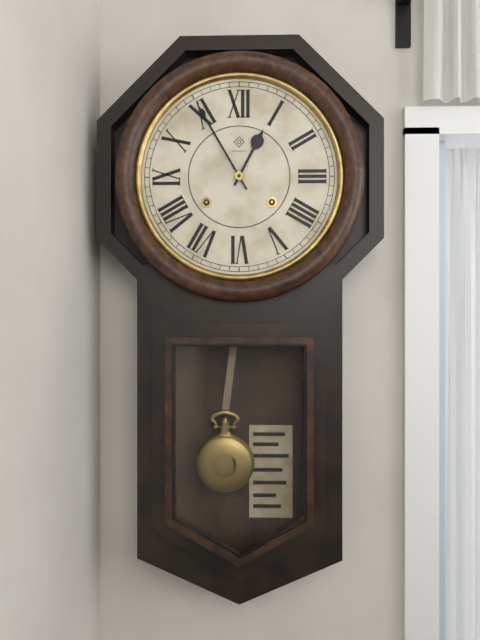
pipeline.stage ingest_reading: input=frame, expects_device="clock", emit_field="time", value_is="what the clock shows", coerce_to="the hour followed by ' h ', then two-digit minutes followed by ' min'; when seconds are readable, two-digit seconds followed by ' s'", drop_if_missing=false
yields 12 h 55 min
